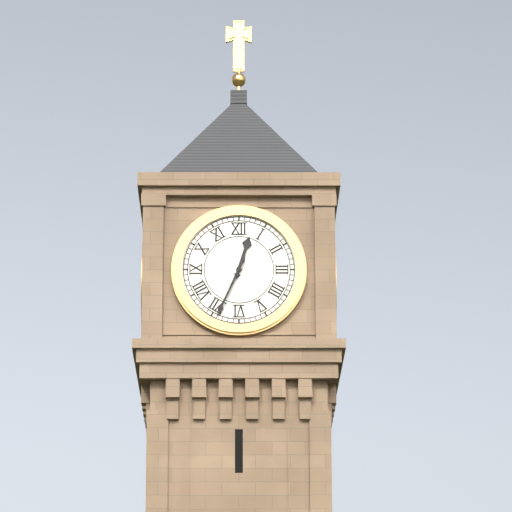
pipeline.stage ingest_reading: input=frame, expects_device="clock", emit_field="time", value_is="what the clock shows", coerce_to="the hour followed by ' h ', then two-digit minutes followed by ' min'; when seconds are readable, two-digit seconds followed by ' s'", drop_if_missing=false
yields 12 h 34 min
